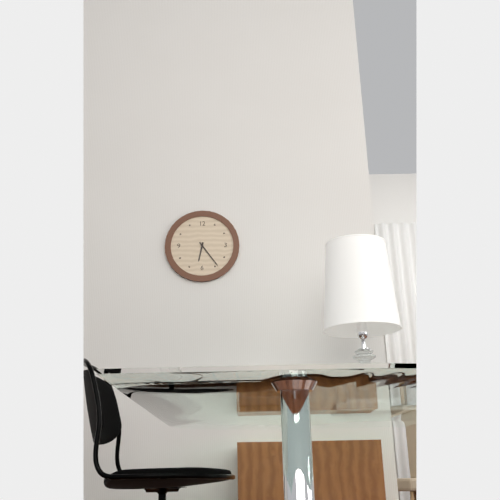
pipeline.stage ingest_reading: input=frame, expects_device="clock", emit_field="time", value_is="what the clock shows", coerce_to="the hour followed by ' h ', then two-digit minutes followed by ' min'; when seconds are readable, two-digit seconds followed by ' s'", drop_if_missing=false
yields 6 h 24 min
